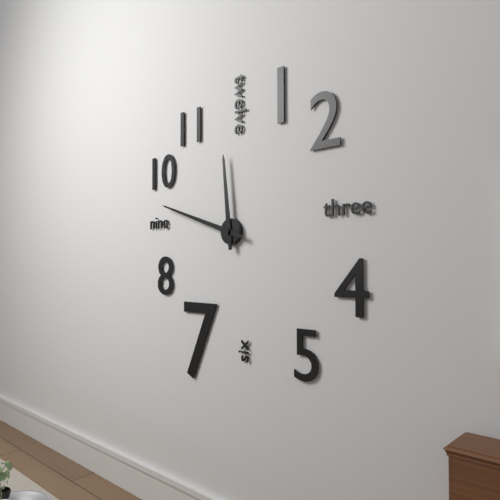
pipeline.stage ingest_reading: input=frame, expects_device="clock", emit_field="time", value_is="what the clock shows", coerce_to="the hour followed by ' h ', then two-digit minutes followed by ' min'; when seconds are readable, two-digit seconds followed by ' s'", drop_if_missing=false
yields 11 h 48 min
